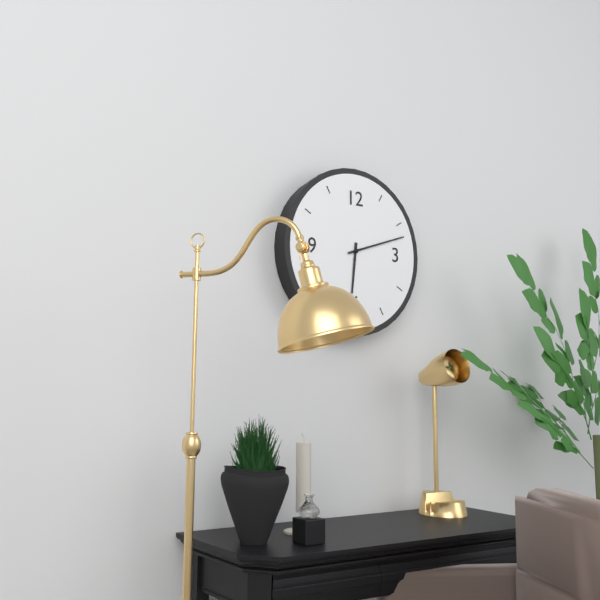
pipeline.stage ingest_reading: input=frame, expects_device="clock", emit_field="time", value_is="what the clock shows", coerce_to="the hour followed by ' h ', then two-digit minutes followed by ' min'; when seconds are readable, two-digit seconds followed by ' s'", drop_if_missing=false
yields 6 h 12 min
